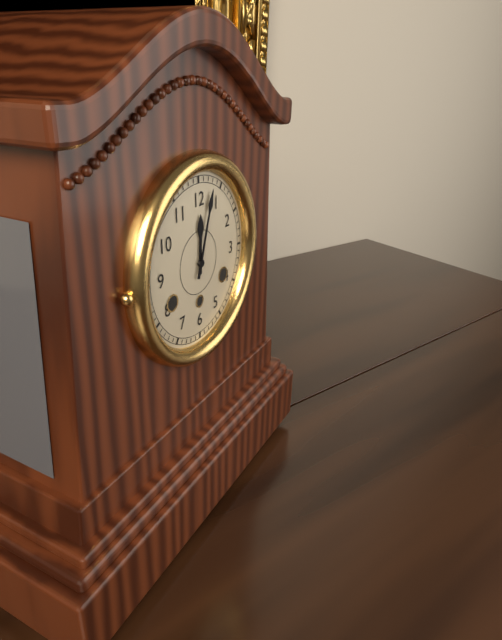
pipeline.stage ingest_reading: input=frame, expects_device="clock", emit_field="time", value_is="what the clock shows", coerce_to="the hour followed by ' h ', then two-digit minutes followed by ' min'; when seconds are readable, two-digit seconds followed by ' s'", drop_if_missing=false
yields 12 h 03 min
